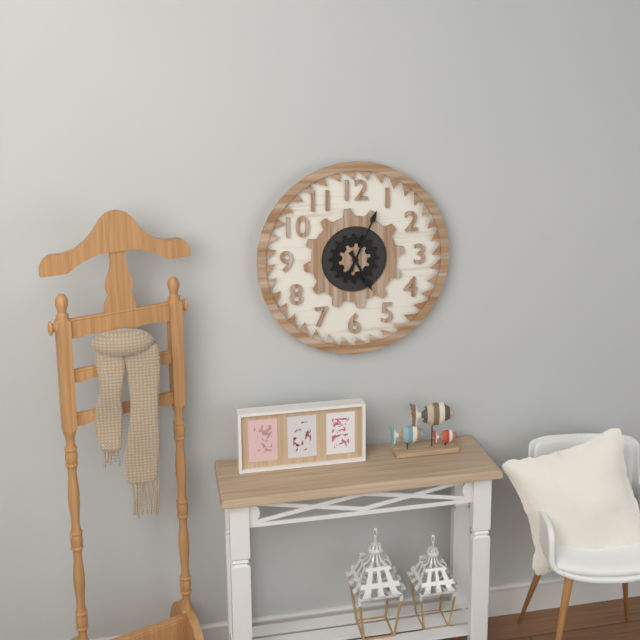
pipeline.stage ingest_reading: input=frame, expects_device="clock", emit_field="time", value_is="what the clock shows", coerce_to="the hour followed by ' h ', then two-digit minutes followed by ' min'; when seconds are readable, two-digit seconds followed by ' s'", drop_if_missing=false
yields 5 h 04 min
